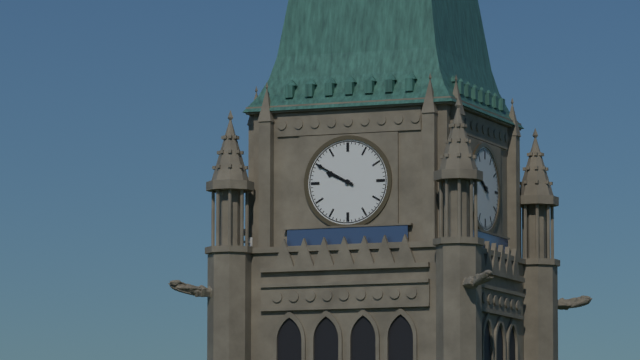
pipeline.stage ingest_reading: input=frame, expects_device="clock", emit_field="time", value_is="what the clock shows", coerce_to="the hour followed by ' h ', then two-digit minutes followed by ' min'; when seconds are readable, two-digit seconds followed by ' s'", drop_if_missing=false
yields 9 h 50 min
